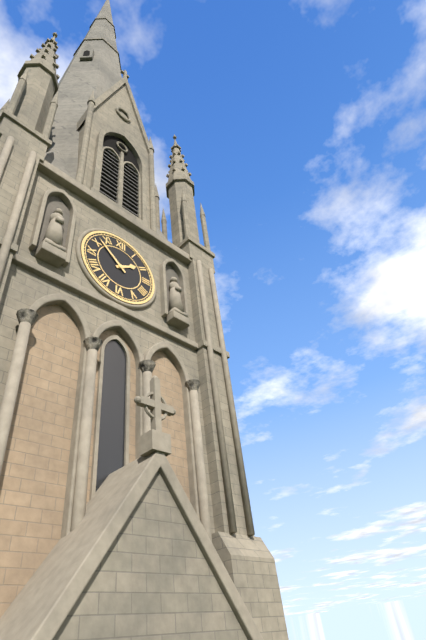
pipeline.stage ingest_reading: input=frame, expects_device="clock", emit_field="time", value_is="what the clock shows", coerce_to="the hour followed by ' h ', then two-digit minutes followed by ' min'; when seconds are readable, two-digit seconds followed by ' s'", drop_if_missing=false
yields 1 h 52 min
